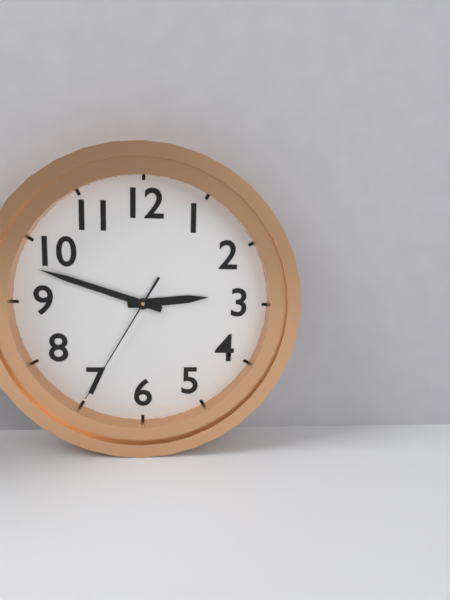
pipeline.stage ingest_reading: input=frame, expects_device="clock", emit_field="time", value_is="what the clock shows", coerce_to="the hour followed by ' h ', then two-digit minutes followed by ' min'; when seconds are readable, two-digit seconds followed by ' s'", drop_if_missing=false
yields 2 h 48 min 35 s
